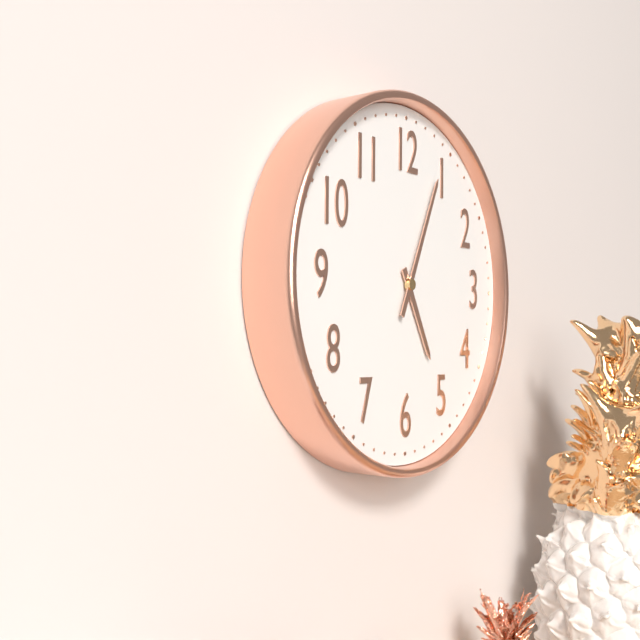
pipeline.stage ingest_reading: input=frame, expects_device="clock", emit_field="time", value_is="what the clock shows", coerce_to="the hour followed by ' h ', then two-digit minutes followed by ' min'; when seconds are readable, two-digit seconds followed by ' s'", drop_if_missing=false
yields 5 h 04 min
